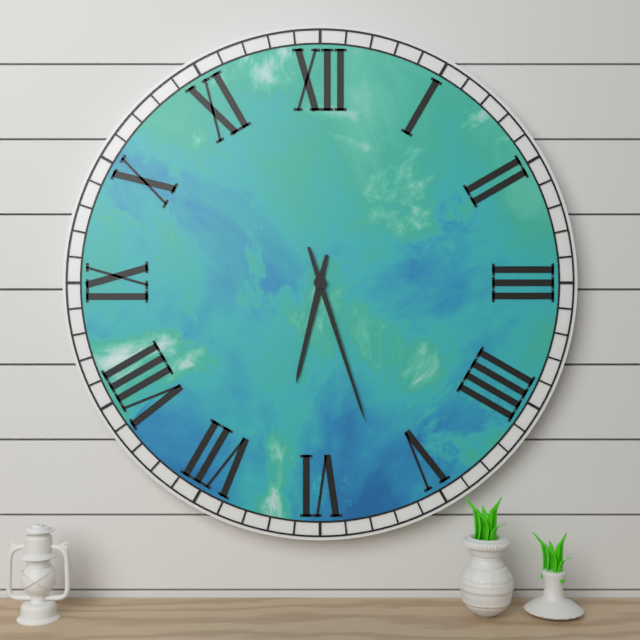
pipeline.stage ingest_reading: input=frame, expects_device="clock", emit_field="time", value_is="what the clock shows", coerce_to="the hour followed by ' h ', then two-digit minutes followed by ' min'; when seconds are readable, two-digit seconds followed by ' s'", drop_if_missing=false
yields 6 h 27 min
